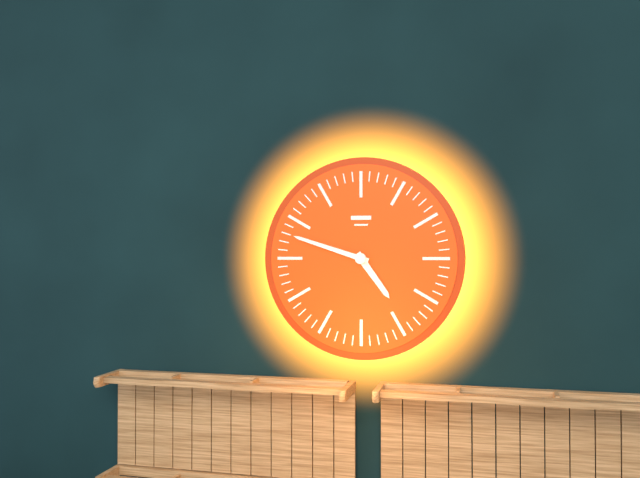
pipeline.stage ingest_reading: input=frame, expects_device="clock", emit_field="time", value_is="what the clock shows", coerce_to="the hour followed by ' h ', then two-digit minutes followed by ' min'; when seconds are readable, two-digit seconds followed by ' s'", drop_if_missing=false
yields 4 h 48 min
